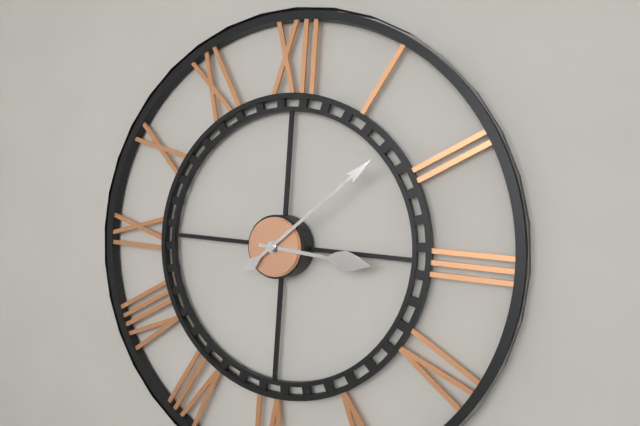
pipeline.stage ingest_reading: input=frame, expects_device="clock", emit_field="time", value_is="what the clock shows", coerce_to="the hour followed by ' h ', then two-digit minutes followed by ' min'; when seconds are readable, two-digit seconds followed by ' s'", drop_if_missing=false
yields 3 h 08 min
